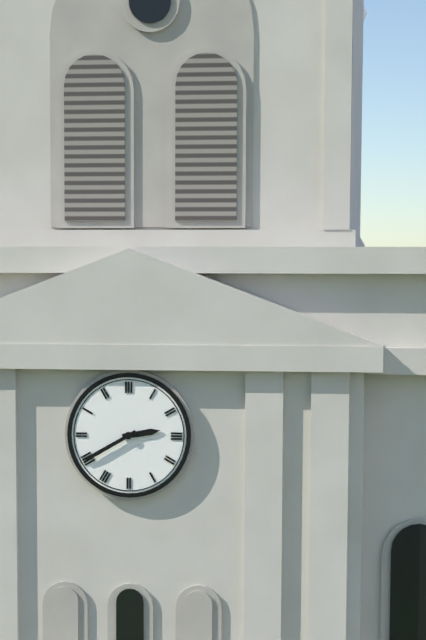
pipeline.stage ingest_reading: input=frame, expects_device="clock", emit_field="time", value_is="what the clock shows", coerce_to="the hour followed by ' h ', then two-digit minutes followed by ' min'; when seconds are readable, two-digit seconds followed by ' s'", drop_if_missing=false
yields 2 h 40 min
